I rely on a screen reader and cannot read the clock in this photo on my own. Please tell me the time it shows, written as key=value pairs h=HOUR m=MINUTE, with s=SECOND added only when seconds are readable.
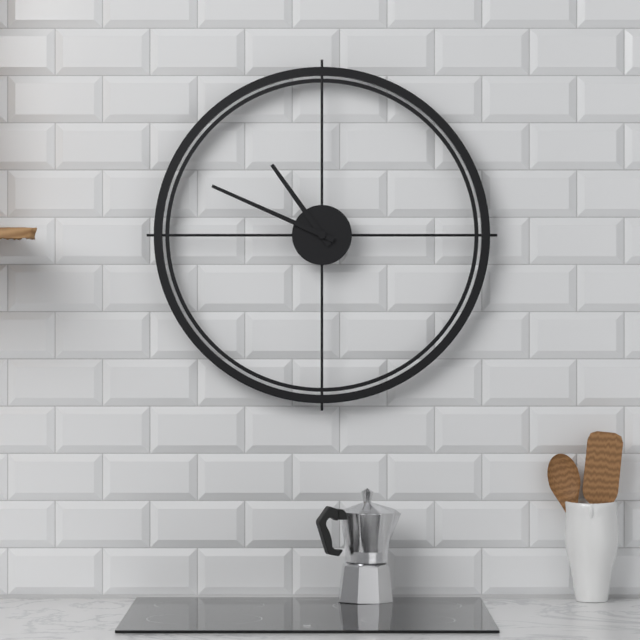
h=10 m=49
